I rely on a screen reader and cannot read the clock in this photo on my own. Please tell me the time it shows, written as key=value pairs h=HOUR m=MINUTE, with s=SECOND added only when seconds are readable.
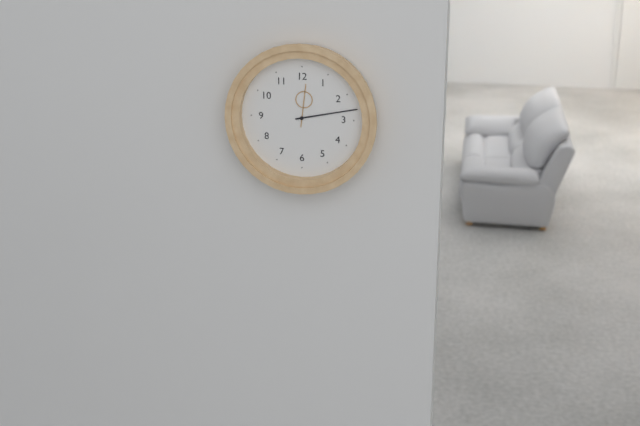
h=12 m=13
